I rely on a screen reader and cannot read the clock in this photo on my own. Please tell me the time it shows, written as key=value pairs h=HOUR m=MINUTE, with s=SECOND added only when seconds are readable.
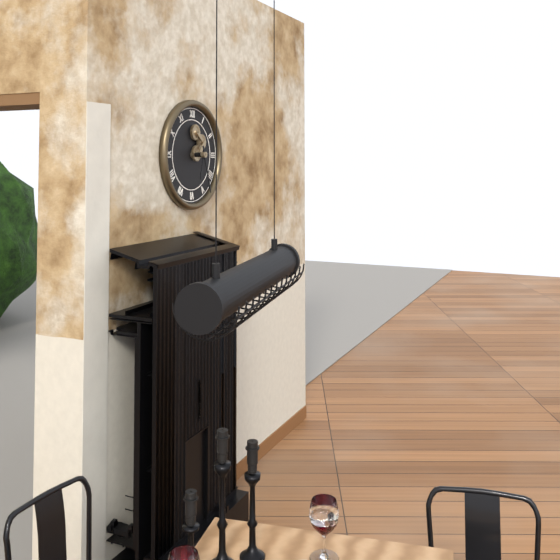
h=6 m=27
